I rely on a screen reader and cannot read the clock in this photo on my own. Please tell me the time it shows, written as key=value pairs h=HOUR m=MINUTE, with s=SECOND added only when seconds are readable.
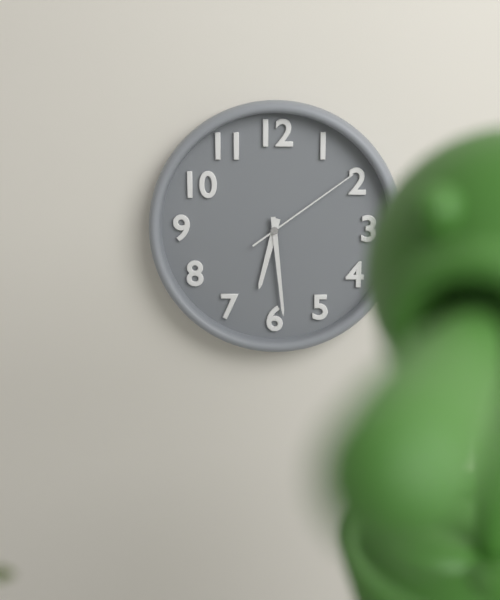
h=6 m=29 s=9
